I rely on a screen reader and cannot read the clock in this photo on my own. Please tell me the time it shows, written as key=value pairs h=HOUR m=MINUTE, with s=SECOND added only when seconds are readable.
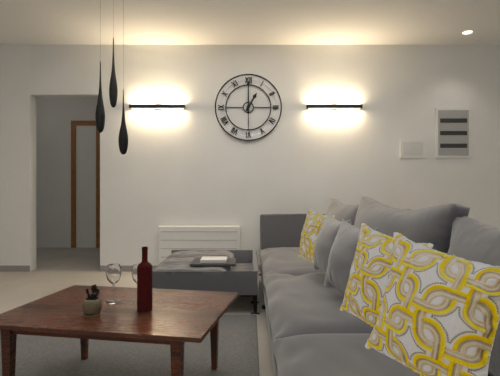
h=1 m=0
